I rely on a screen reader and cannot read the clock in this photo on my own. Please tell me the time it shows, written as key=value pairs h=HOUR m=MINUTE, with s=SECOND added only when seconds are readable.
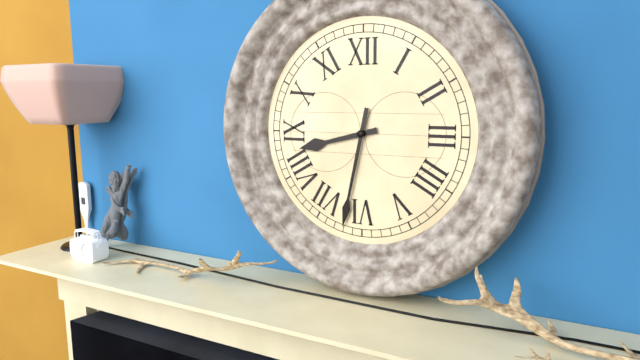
h=8 m=32
